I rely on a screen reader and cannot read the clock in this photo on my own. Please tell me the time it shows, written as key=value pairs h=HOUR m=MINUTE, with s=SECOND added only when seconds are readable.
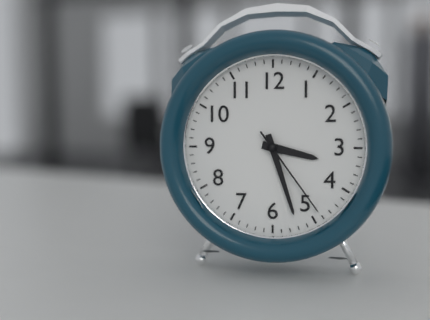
h=3 m=27 s=24
